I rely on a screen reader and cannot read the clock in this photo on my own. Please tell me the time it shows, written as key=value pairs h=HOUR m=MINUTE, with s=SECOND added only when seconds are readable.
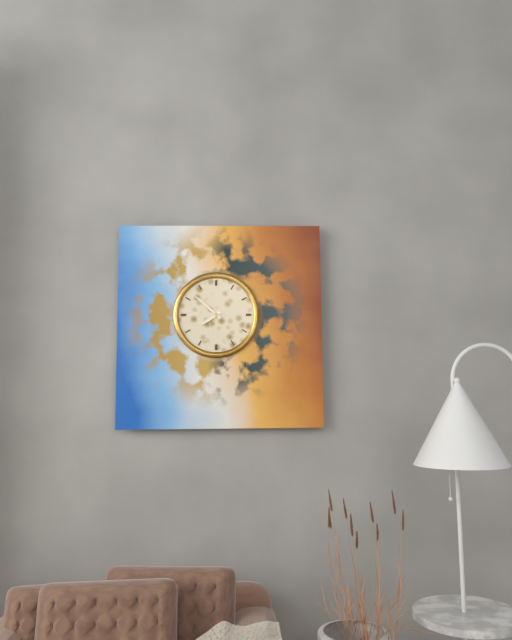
h=7 m=52
